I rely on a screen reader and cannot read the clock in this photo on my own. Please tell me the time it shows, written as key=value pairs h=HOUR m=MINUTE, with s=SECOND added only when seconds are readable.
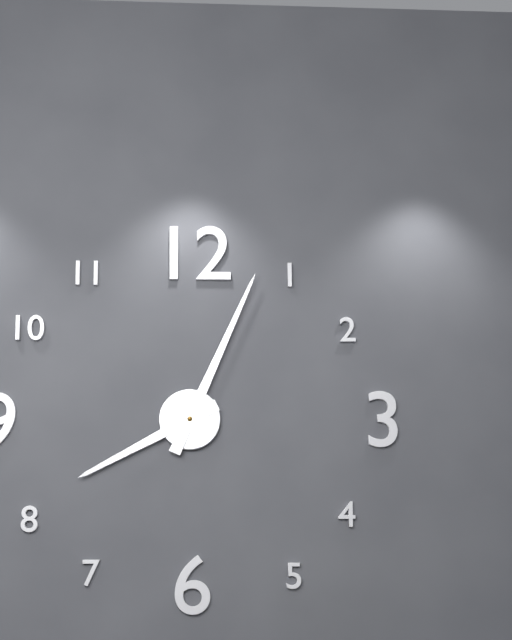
h=8 m=4
